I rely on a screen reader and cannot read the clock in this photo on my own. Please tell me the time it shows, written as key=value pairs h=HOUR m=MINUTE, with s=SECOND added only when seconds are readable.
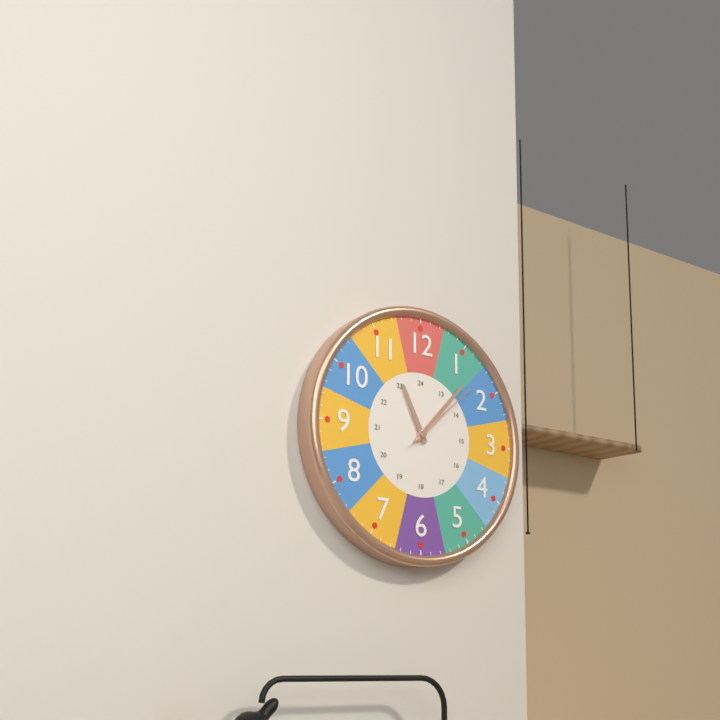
h=11 m=7 s=8
